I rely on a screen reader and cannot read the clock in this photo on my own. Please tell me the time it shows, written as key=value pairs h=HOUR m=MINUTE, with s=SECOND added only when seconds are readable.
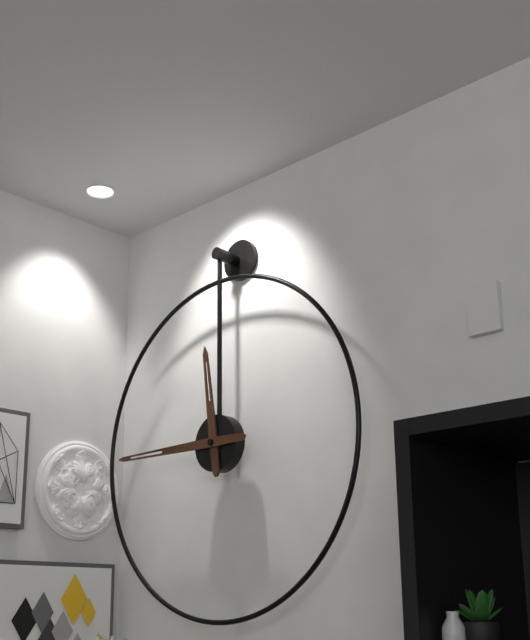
h=11 m=45
